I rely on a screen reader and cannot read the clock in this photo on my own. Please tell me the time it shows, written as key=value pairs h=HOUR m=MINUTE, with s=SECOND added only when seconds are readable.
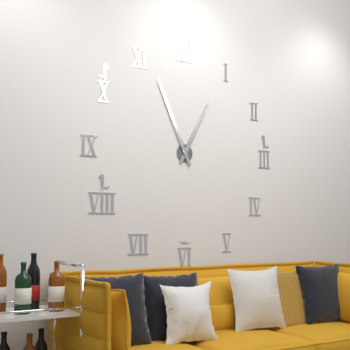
h=12 m=56
